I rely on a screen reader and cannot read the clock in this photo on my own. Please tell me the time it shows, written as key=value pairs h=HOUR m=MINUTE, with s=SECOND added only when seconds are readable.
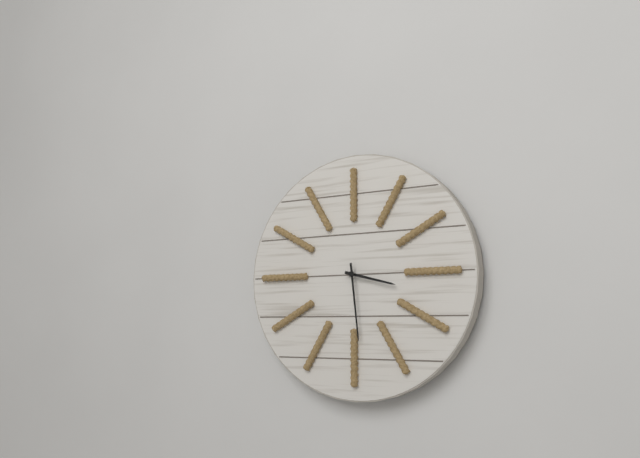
h=3 m=29
